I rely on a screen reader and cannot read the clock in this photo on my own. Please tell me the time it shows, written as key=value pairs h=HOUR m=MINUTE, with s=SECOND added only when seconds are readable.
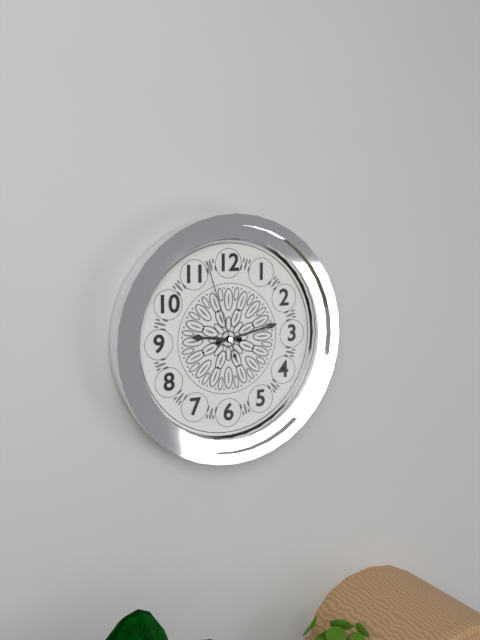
h=9 m=13 s=57
